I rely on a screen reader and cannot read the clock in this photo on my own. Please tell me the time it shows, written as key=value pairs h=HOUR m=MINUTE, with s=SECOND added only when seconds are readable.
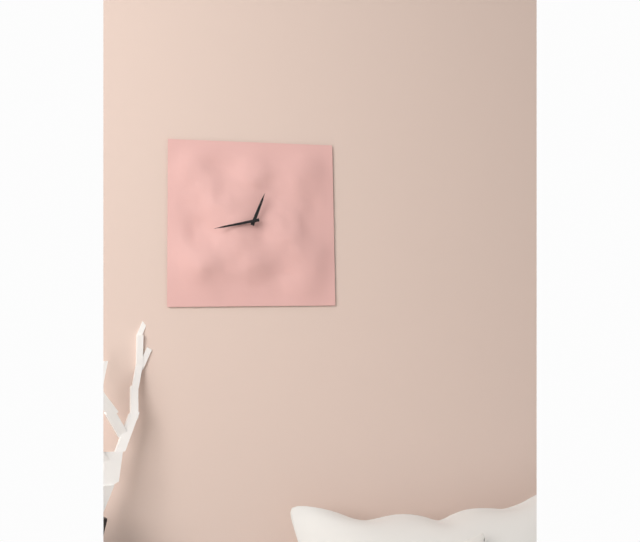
h=12 m=43
